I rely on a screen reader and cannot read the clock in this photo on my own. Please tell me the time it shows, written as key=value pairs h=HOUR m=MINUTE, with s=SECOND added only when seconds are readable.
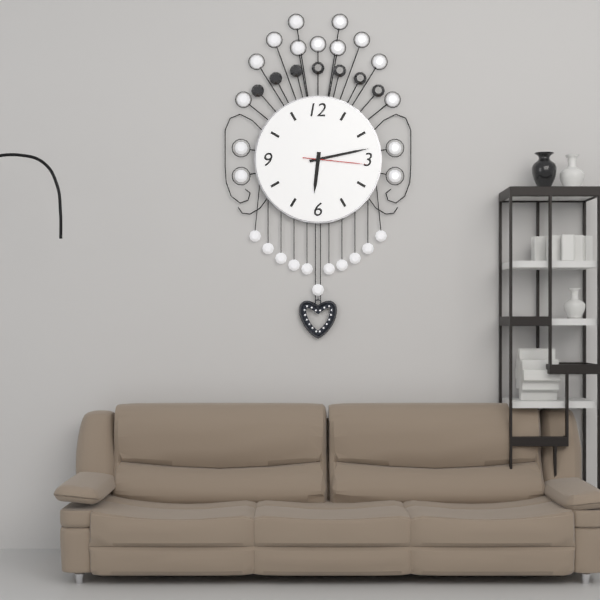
h=6 m=13 s=16
